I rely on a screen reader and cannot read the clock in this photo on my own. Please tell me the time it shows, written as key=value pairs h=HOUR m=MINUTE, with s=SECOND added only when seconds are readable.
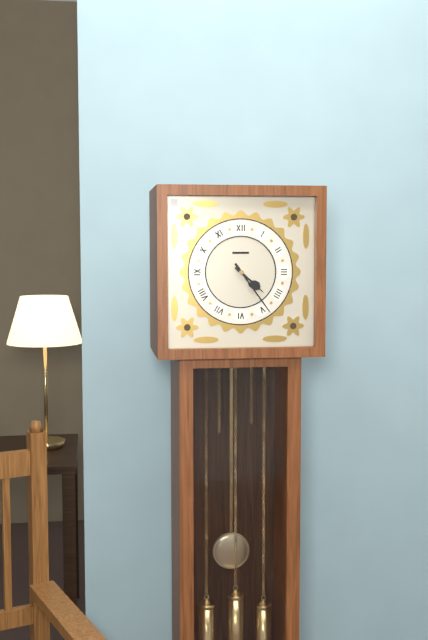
h=4 m=24
